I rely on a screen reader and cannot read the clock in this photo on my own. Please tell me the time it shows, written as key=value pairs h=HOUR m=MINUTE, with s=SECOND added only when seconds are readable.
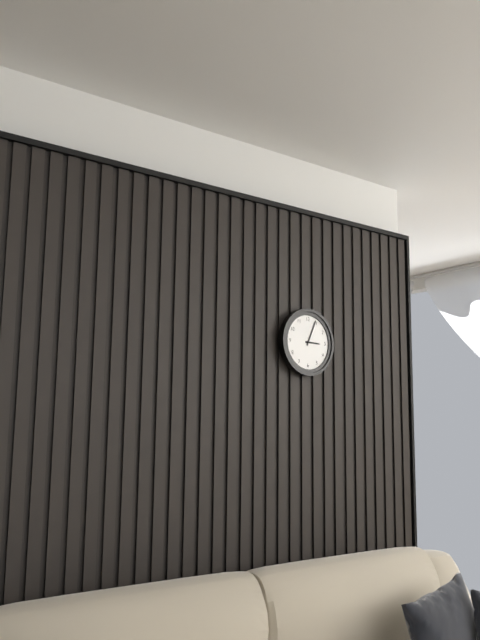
h=3 m=4
